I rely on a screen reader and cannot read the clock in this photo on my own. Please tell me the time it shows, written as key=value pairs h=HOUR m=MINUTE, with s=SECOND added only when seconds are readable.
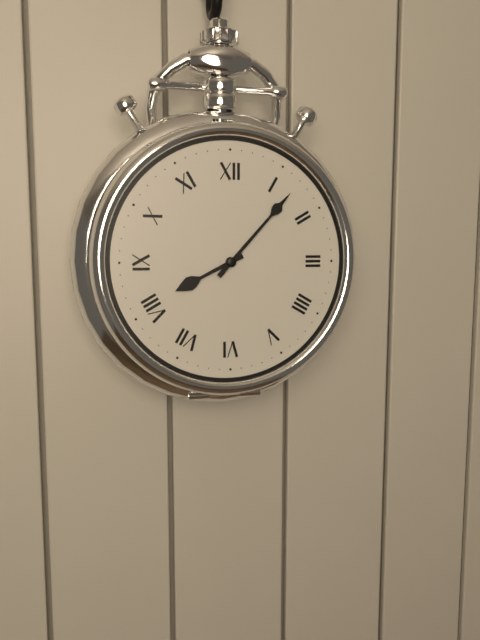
h=8 m=7
